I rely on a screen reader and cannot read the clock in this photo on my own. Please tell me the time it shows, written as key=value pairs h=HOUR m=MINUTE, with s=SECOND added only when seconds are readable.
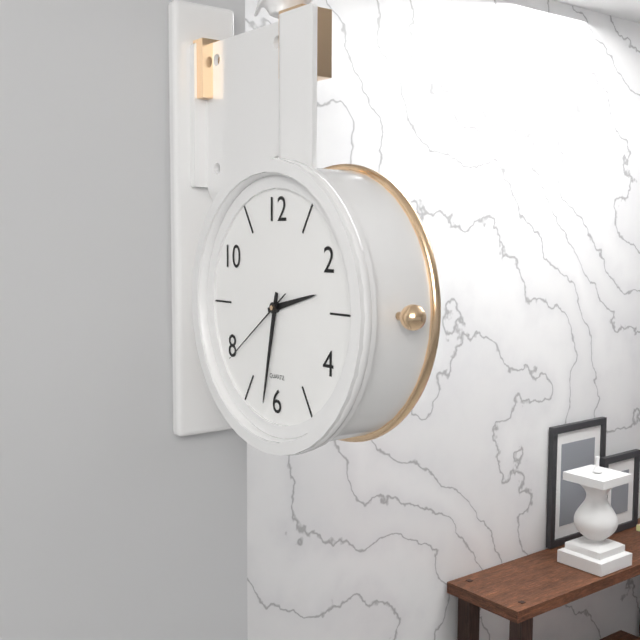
h=2 m=32 s=39
